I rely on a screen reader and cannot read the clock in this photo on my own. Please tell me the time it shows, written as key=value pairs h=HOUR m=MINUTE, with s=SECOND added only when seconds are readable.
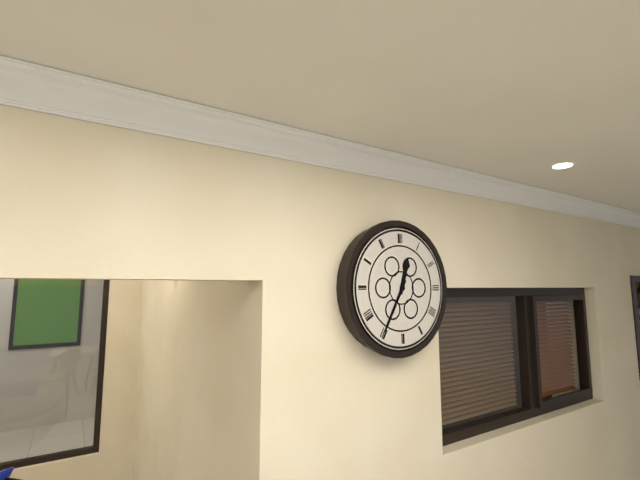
h=12 m=35
